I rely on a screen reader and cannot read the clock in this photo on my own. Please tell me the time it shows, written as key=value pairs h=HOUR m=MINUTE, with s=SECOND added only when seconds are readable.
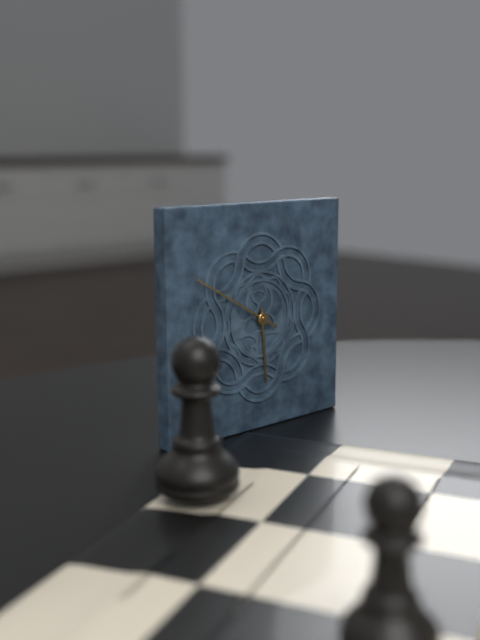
h=5 m=50
